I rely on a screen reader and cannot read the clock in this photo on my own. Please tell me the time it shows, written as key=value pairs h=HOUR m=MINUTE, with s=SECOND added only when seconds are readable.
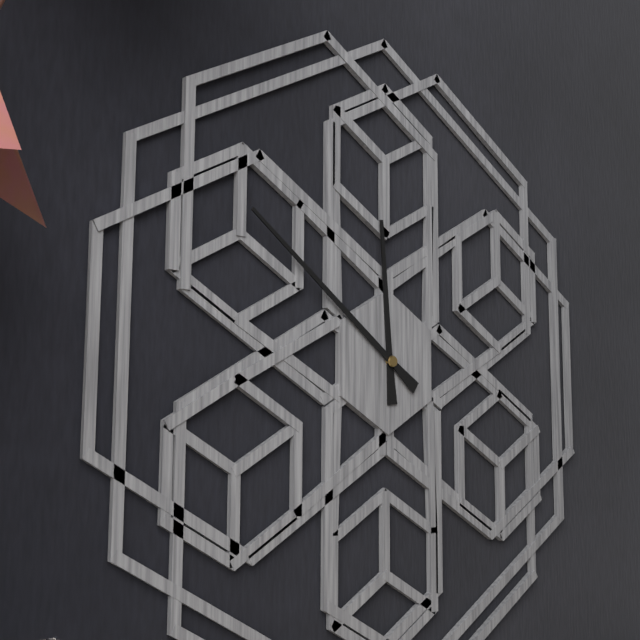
h=11 m=51
